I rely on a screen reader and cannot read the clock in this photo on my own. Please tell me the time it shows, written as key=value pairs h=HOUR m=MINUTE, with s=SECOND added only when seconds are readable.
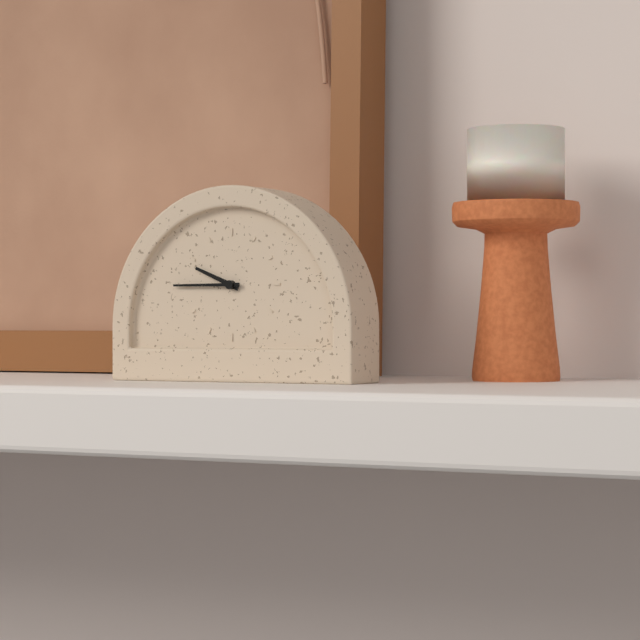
h=9 m=45
